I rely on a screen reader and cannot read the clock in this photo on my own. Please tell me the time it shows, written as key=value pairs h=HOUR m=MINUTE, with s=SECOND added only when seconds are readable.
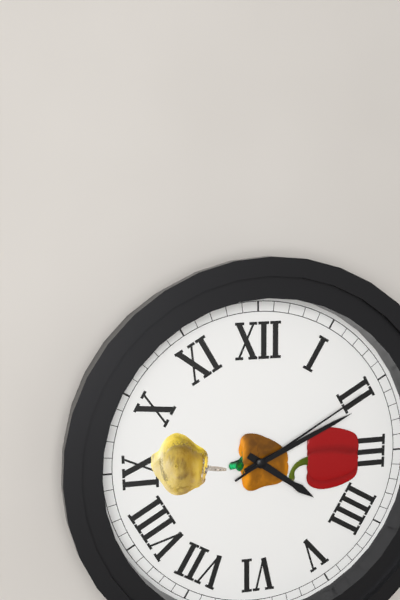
h=4 m=11 s=10
